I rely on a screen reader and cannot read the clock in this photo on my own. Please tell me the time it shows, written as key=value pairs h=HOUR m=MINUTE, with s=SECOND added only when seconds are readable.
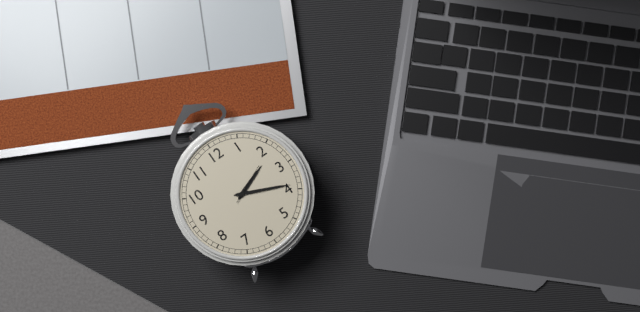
h=2 m=19
